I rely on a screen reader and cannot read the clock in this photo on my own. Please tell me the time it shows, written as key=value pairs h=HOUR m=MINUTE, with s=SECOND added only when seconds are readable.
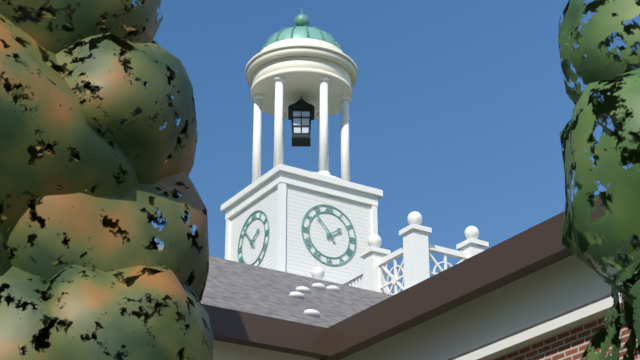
h=1 m=53
